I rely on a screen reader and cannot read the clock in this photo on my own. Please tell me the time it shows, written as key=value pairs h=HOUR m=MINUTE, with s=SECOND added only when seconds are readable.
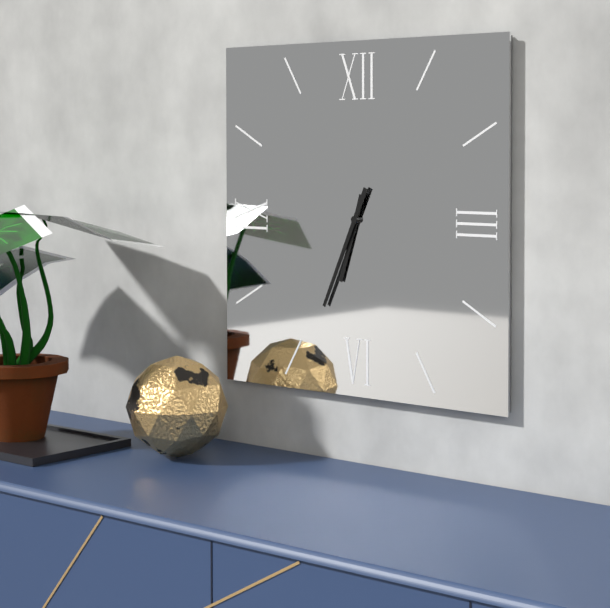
h=6 m=34
